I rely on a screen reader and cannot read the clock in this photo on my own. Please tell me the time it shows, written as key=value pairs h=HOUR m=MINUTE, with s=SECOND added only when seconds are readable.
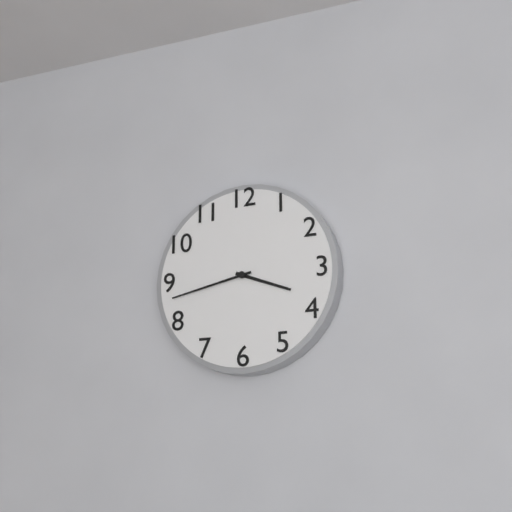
h=3 m=43
